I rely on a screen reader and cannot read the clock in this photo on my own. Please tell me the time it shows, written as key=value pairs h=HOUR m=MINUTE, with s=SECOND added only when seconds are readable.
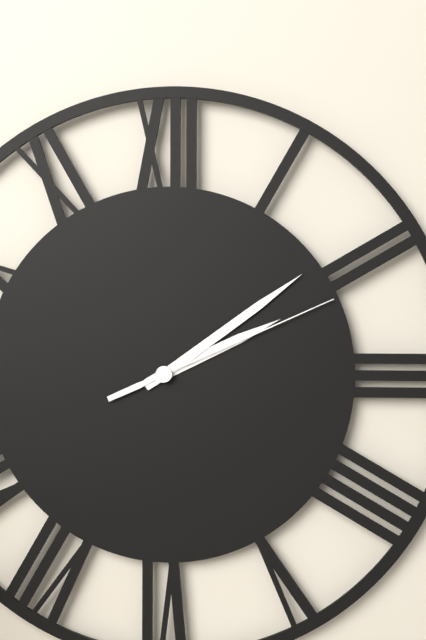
h=2 m=9 s=11
